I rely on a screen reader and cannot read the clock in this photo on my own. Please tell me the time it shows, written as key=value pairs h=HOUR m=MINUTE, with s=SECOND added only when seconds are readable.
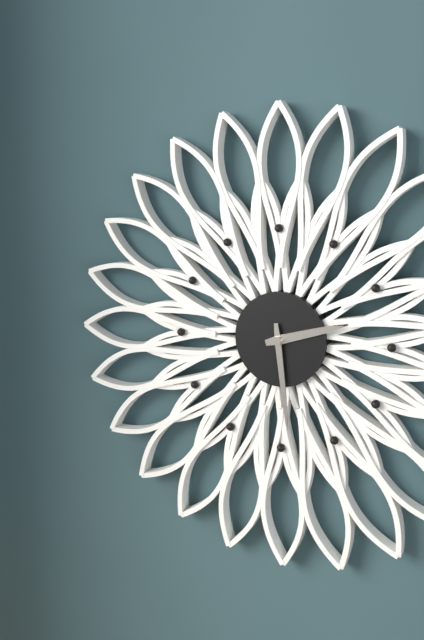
h=2 m=29
